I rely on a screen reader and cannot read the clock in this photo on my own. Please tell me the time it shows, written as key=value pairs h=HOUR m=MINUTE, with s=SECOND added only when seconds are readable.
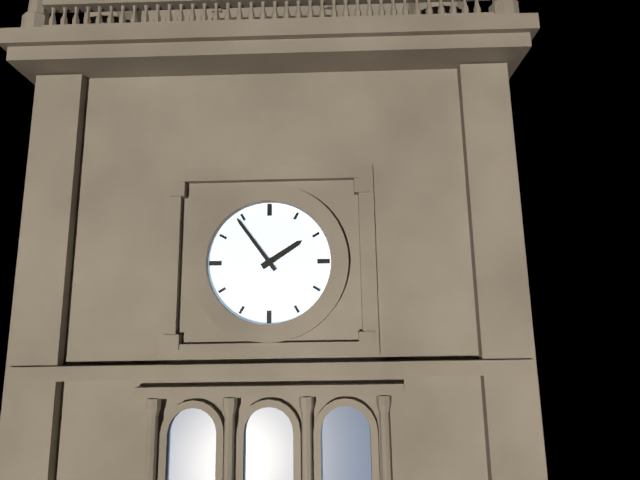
h=1 m=54
